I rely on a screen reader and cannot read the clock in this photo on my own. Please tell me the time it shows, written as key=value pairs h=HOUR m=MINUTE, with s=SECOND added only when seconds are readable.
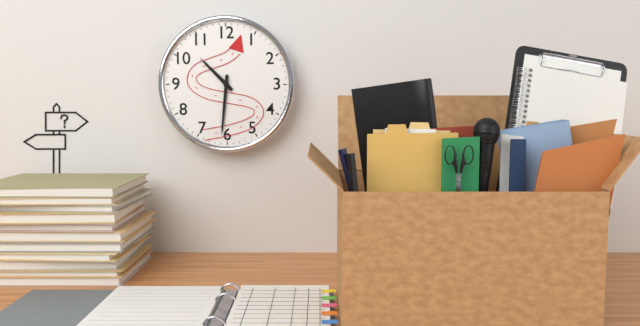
h=10 m=31
